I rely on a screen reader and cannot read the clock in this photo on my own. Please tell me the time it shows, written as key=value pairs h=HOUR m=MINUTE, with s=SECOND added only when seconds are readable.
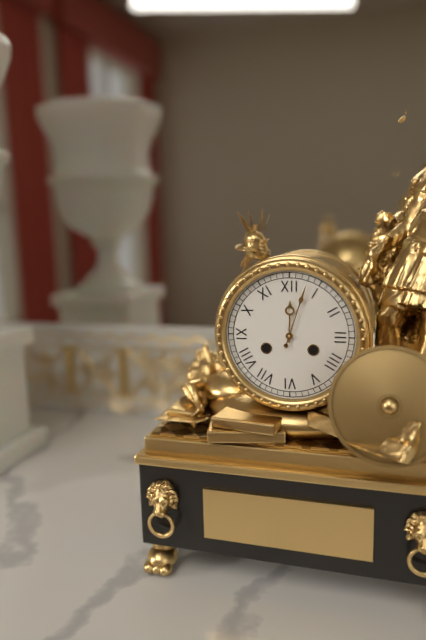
h=12 m=3
